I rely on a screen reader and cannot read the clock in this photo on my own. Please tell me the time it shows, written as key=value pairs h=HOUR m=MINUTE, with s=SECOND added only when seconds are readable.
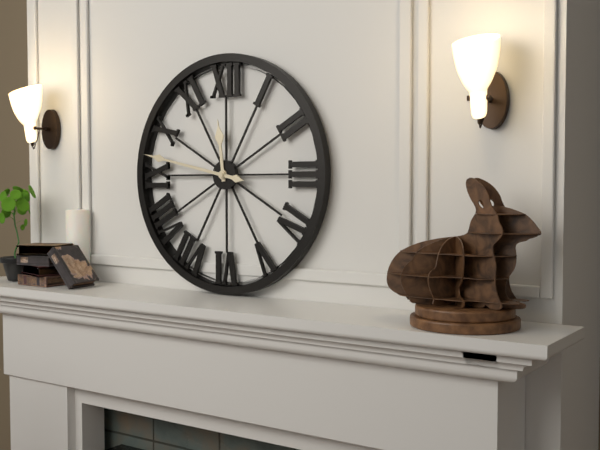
h=11 m=47
